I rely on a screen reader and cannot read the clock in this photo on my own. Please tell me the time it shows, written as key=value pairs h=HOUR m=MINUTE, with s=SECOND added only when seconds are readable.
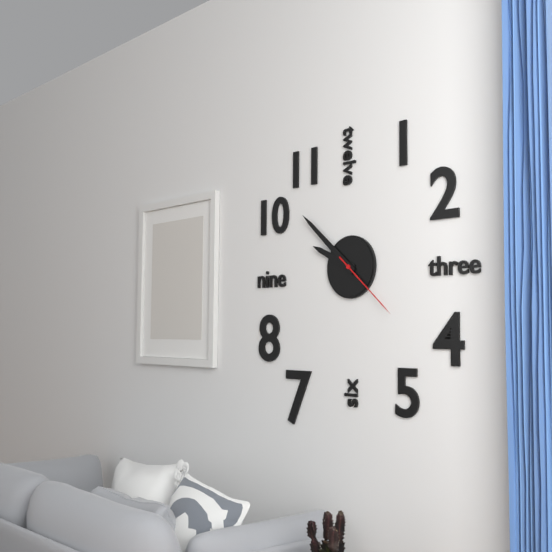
h=9 m=52 s=22
